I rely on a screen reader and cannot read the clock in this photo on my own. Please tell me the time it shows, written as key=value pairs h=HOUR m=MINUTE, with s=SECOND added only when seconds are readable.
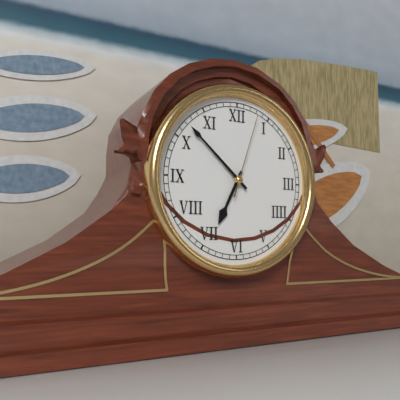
h=6 m=52 s=3
